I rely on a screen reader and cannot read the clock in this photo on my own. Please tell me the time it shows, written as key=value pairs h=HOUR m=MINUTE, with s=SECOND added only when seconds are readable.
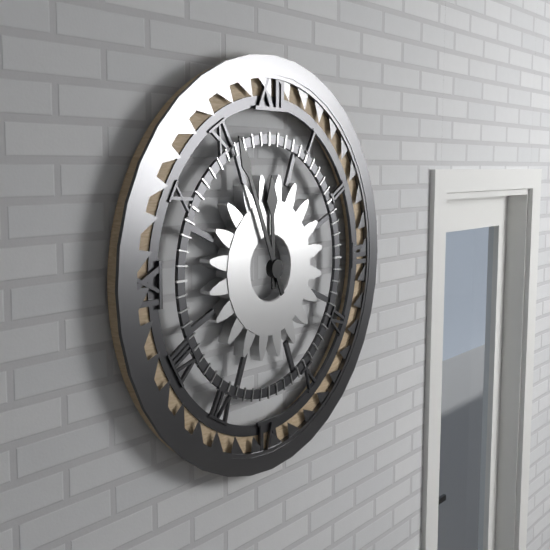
h=11 m=56
